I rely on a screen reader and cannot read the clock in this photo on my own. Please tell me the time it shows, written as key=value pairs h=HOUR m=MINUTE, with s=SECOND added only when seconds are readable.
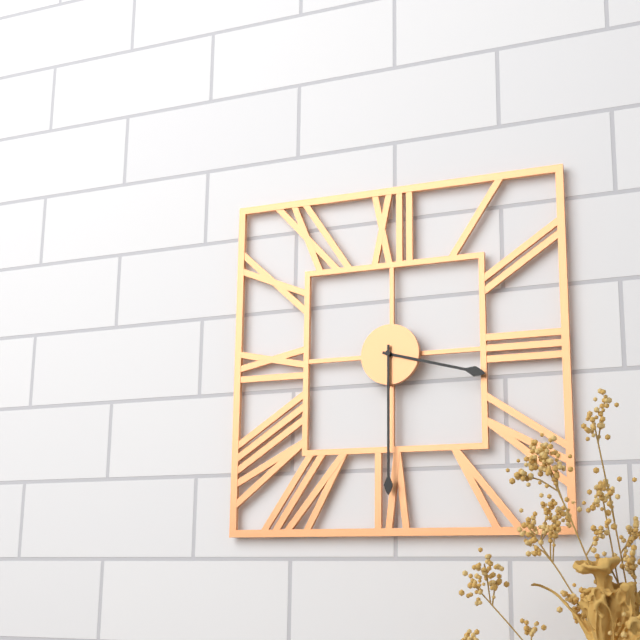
h=3 m=30
